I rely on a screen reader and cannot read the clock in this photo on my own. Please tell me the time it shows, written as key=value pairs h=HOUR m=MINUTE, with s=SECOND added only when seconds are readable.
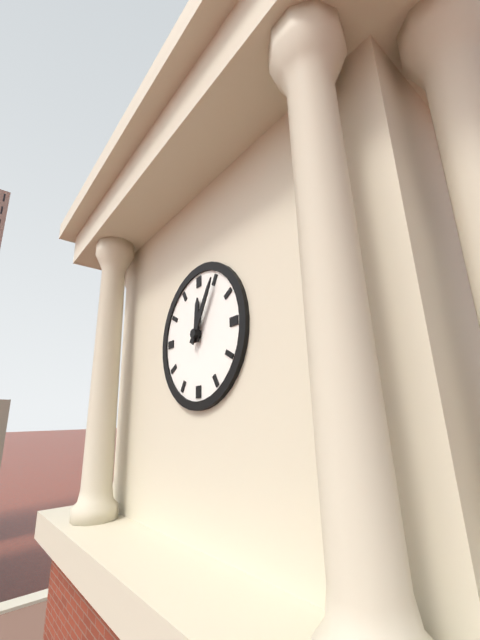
h=12 m=5
